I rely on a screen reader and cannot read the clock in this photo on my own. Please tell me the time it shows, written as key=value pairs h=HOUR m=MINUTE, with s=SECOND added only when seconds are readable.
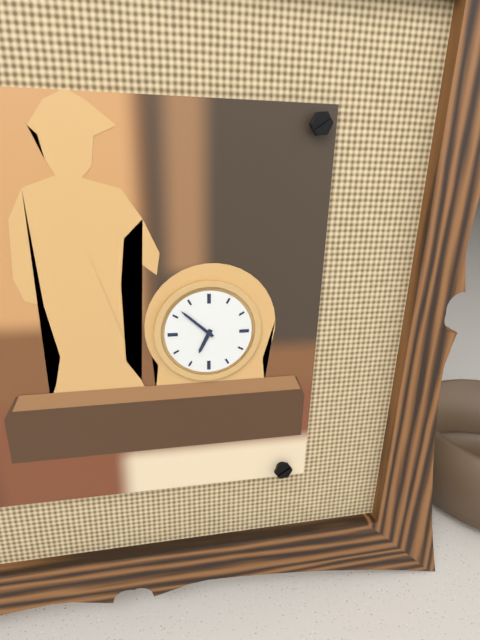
h=6 m=52
